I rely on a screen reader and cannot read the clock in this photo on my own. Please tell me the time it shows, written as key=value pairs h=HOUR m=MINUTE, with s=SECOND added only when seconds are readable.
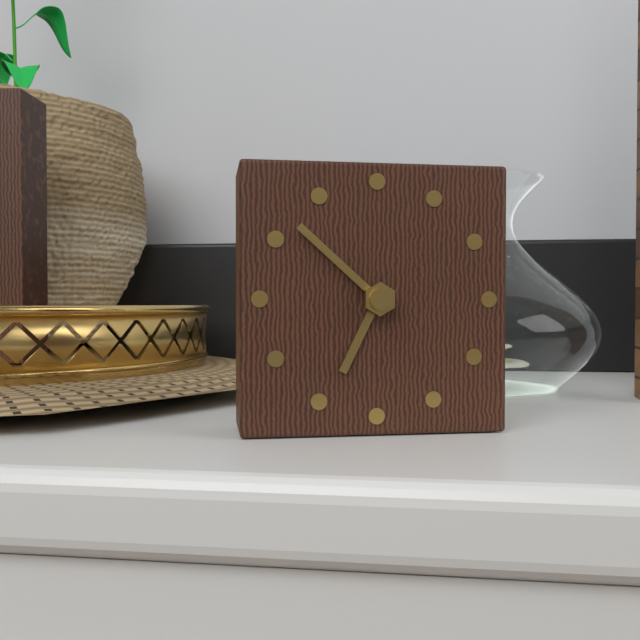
h=6 m=52
